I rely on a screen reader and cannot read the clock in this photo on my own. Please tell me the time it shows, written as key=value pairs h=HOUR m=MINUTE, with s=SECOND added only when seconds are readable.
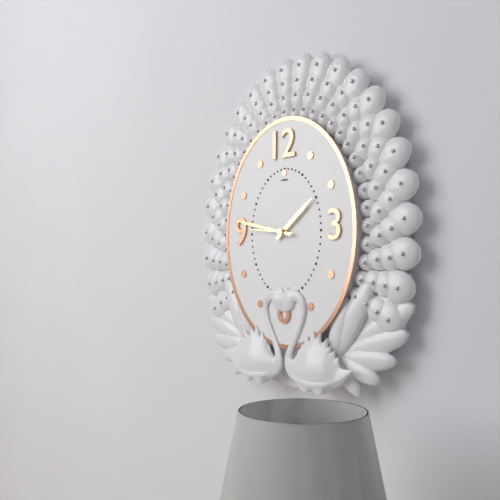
h=1 m=47
